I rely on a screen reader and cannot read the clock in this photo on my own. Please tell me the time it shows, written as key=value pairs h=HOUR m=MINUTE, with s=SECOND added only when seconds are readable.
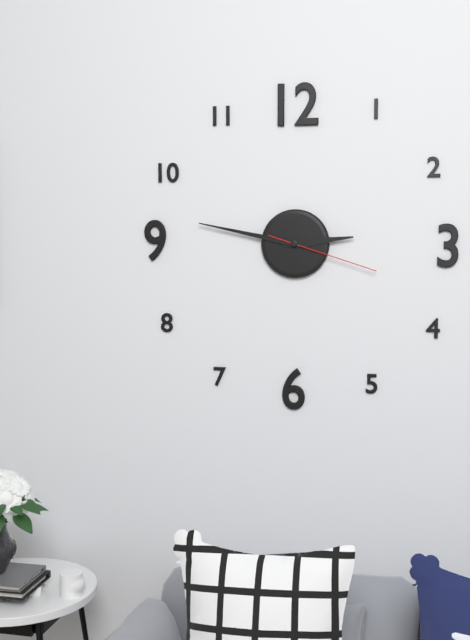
h=2 m=47 s=18
